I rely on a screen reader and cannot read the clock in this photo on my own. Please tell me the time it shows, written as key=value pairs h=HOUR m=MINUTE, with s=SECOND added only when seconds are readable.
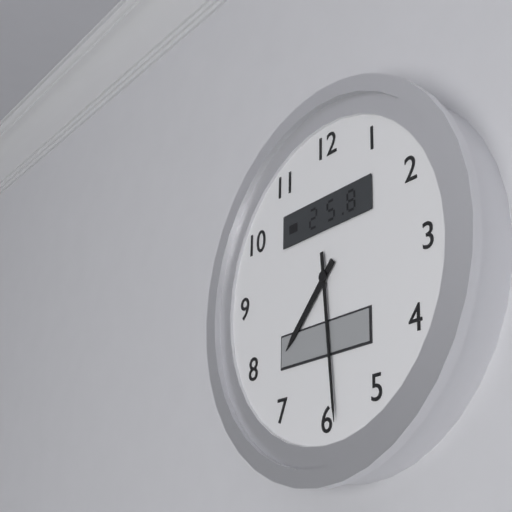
h=7 m=29
